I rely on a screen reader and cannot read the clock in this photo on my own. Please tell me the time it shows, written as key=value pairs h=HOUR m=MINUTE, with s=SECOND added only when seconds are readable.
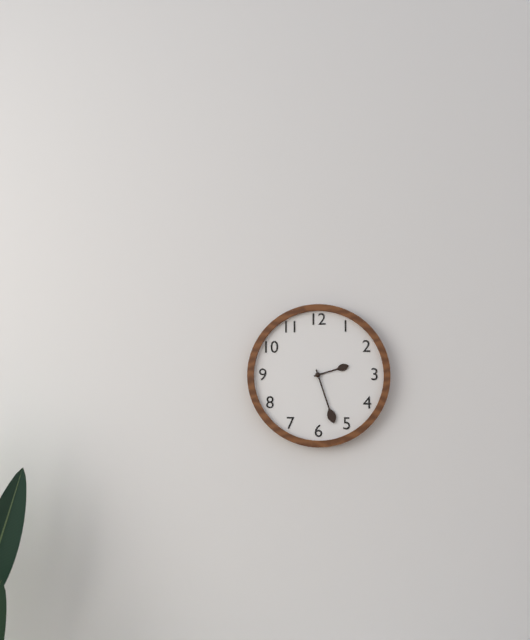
h=2 m=27
